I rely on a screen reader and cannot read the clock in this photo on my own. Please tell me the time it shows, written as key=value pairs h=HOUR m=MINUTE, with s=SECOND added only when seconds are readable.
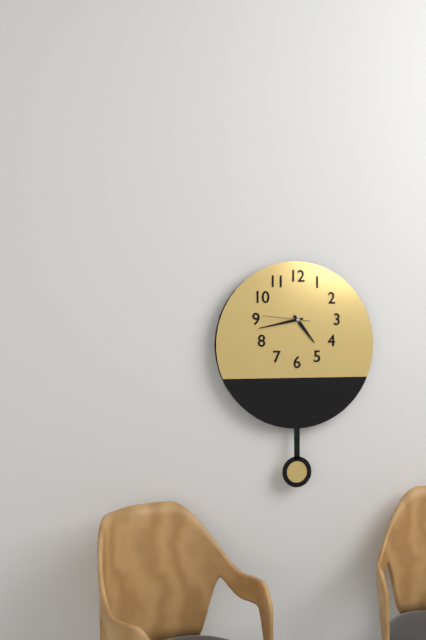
h=4 m=43
